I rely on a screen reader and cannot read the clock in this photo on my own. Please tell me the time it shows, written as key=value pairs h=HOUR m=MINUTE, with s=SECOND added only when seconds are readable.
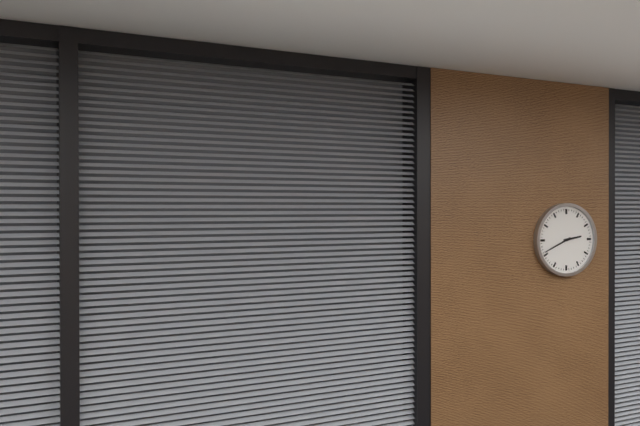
h=2 m=41
